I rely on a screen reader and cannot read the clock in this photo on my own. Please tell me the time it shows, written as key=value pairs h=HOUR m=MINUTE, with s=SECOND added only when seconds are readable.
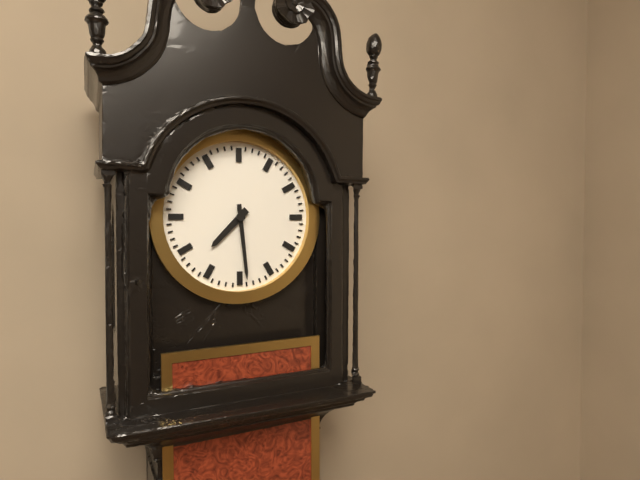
h=7 m=29
